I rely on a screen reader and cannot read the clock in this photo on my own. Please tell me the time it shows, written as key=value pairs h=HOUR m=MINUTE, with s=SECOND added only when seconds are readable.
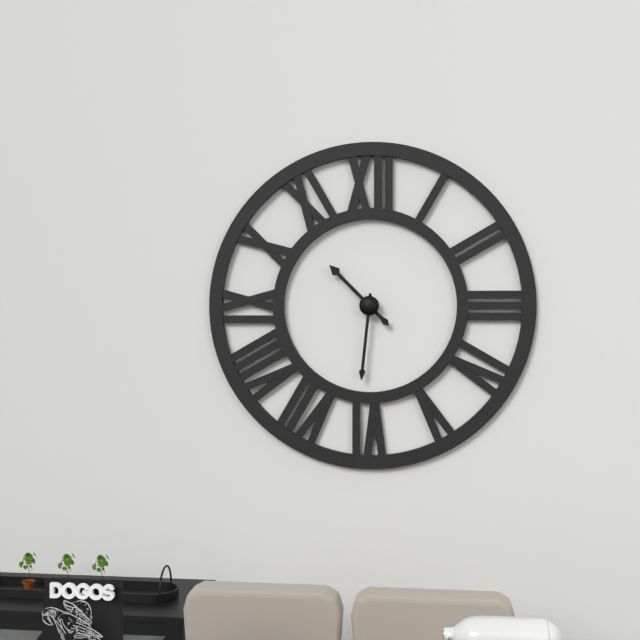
h=10 m=31
